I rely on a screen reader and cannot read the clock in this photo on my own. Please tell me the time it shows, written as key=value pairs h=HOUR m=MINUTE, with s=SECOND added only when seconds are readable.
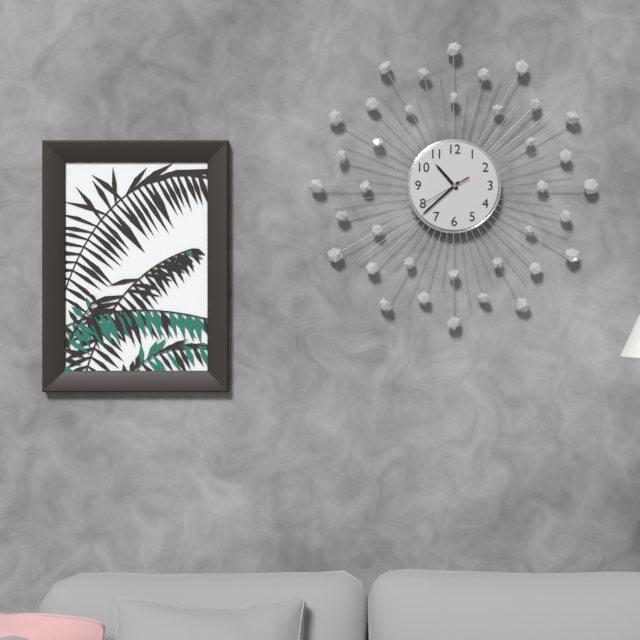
h=10 m=38 s=40
